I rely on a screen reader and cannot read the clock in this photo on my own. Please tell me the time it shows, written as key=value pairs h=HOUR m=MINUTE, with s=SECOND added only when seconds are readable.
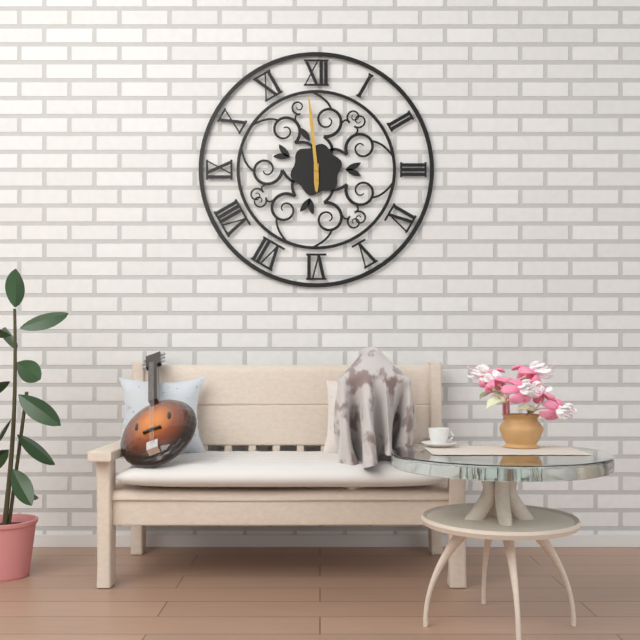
h=5 m=59
